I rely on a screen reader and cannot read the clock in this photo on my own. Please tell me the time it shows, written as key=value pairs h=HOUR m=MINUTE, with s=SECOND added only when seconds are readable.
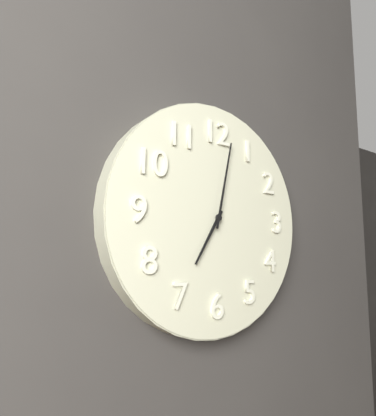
h=7 m=2
